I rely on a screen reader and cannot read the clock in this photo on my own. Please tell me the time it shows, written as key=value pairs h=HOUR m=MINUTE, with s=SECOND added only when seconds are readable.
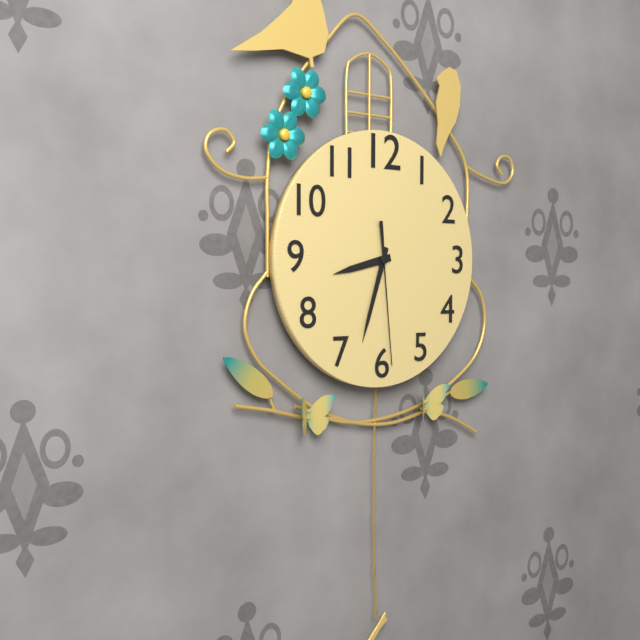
h=8 m=33 s=29
